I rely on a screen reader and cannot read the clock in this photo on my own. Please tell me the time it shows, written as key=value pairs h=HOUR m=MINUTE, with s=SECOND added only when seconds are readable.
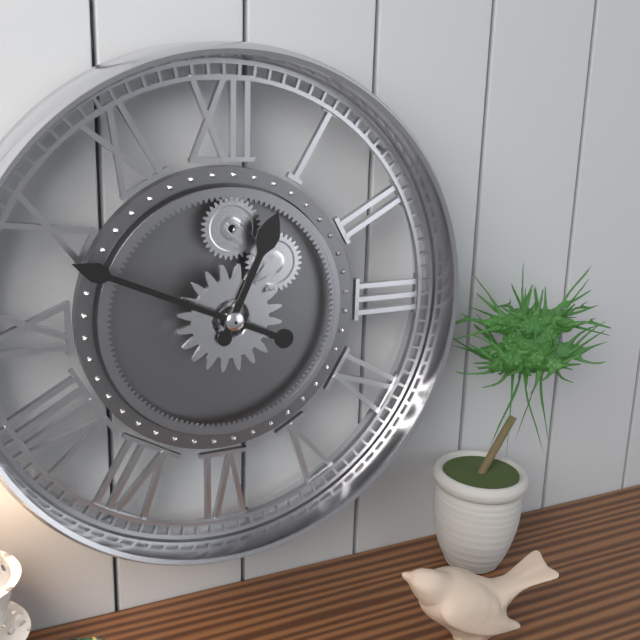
h=12 m=49
